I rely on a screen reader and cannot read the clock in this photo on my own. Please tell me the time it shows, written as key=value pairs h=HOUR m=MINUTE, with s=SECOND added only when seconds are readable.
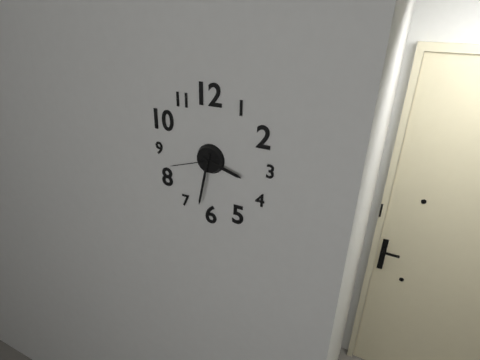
h=3 m=32 s=42
